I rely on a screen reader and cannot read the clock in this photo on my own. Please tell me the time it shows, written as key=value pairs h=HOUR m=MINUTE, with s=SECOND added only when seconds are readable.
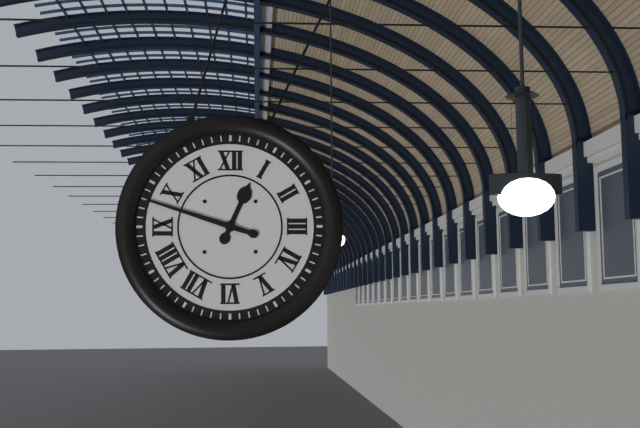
h=12 m=48
